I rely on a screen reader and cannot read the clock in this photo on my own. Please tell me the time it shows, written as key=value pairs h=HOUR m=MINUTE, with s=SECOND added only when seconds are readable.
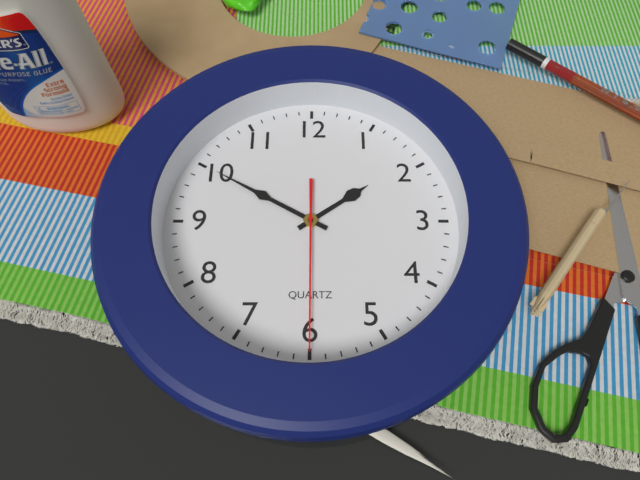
h=1 m=50 s=30
